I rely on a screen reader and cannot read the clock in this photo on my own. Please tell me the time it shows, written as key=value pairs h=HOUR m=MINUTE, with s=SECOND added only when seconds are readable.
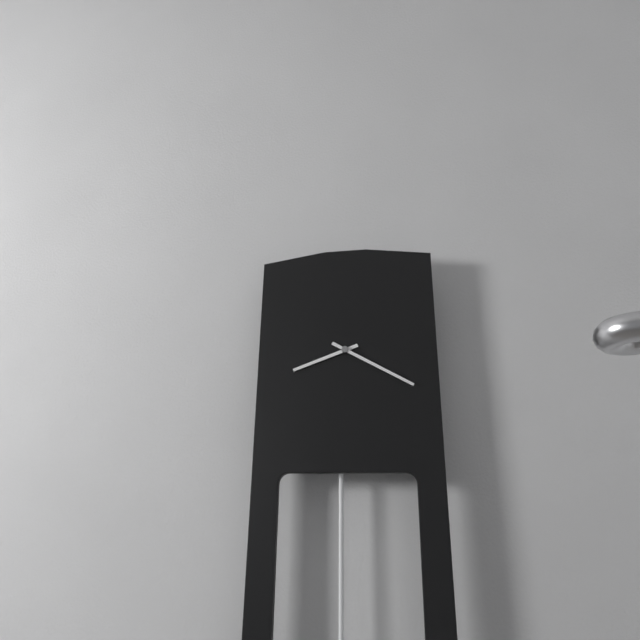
h=8 m=20
